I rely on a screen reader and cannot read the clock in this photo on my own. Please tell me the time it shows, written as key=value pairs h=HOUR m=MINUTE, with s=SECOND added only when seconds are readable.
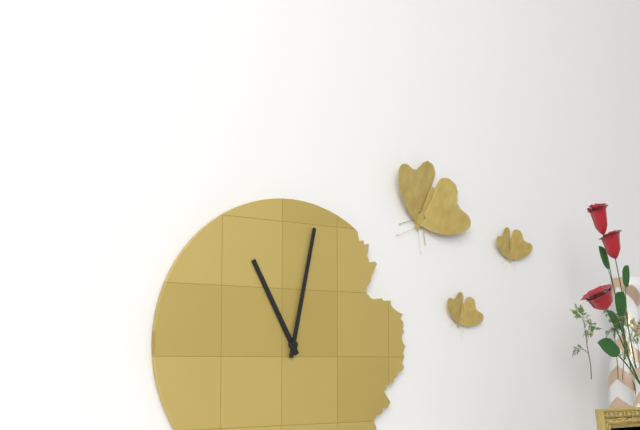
h=11 m=2
